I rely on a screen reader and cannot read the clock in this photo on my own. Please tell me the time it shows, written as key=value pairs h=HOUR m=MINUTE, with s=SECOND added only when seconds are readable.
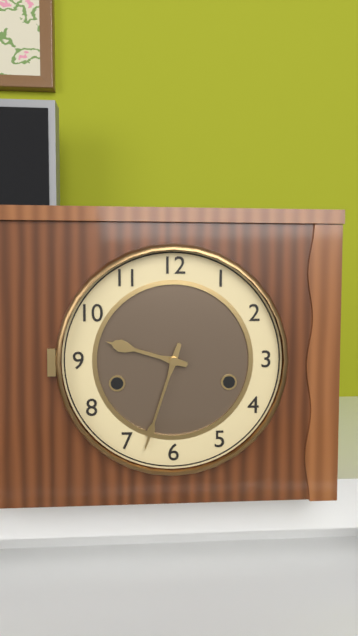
h=9 m=33
